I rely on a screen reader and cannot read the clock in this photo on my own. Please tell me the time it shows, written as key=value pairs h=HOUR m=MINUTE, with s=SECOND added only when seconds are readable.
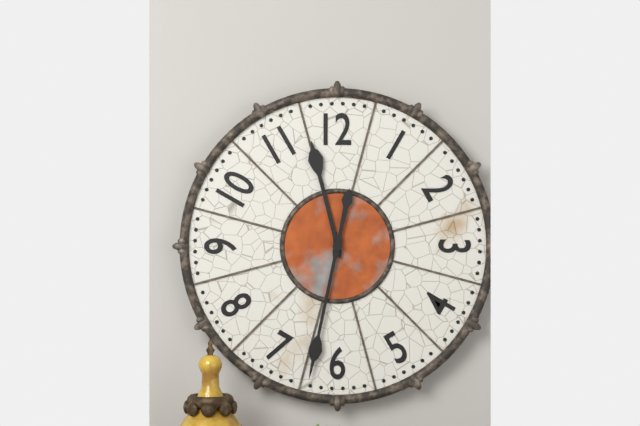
h=11 m=32
